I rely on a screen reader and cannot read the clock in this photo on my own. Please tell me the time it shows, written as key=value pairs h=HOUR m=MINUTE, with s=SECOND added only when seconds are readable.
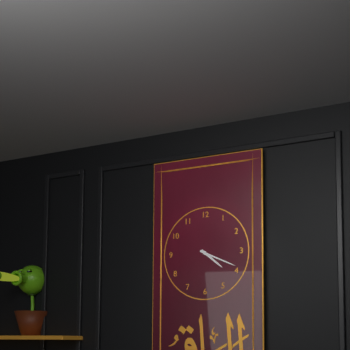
h=4 m=19
